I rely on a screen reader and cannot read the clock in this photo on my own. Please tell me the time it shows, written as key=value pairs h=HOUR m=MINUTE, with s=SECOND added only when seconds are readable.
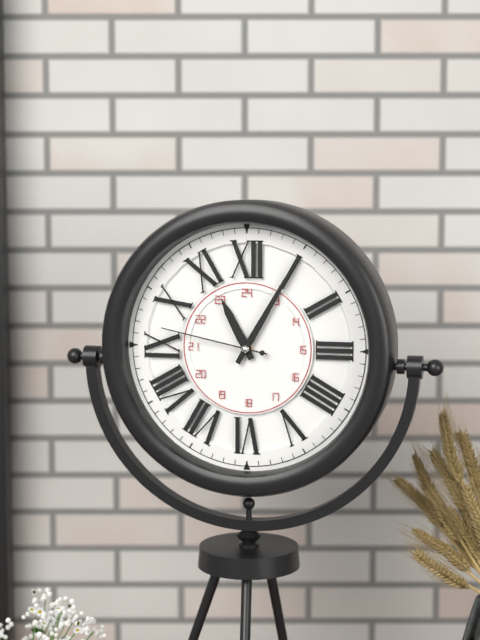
h=11 m=5 s=47
